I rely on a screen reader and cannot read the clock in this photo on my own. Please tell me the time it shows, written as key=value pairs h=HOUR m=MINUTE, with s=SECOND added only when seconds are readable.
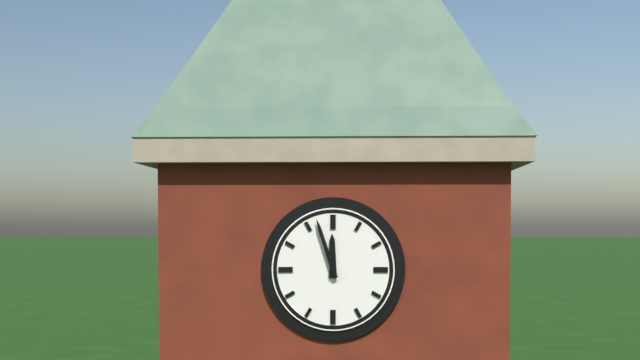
h=11 m=57
